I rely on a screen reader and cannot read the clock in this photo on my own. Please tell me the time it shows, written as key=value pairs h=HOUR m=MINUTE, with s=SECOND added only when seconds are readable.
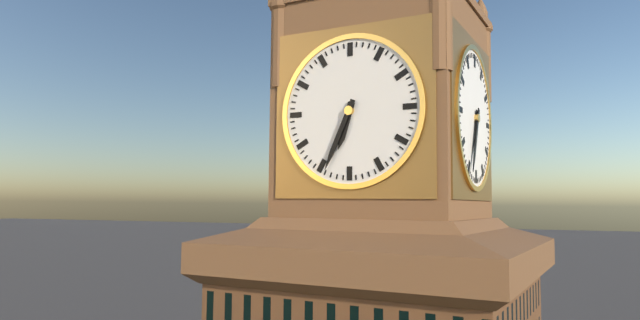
h=6 m=34
